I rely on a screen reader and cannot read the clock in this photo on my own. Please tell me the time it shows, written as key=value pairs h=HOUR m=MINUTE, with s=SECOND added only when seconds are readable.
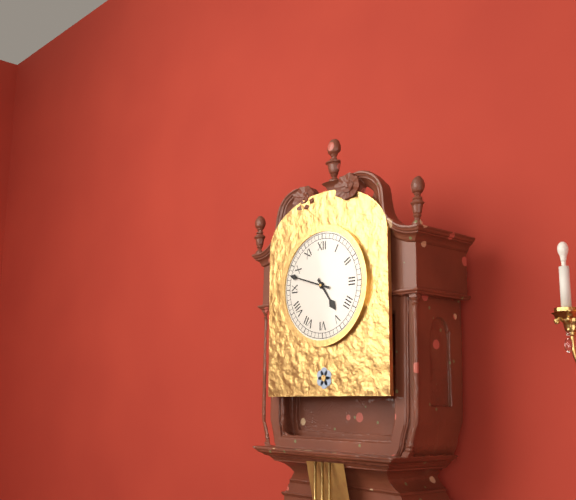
h=4 m=48
